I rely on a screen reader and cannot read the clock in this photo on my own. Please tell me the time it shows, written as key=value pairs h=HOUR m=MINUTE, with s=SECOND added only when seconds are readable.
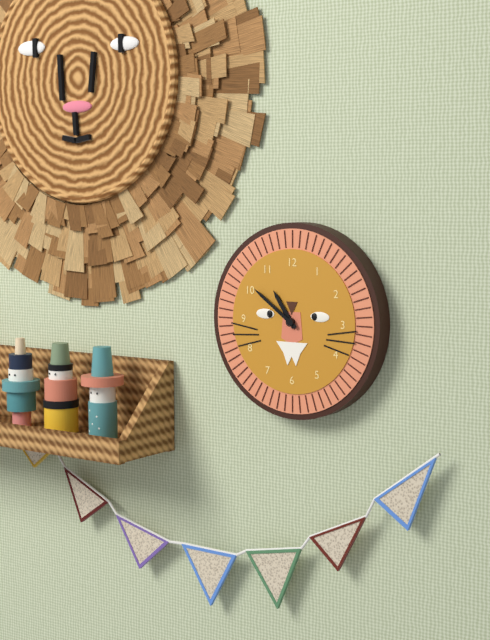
h=10 m=51
